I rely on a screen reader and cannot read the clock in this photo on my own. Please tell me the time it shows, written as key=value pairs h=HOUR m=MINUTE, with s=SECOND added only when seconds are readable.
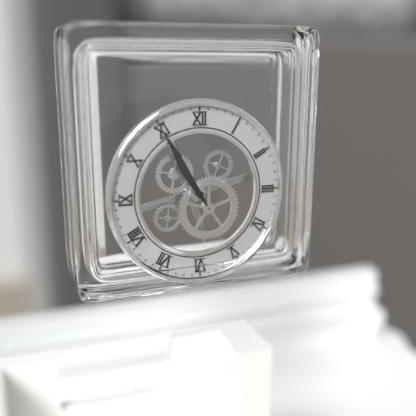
h=10 m=55
